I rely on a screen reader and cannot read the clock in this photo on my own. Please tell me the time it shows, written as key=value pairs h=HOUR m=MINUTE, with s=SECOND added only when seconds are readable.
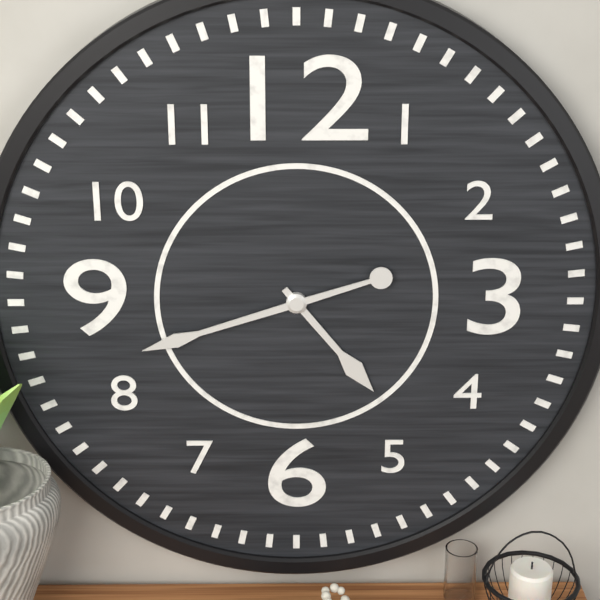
h=4 m=42
